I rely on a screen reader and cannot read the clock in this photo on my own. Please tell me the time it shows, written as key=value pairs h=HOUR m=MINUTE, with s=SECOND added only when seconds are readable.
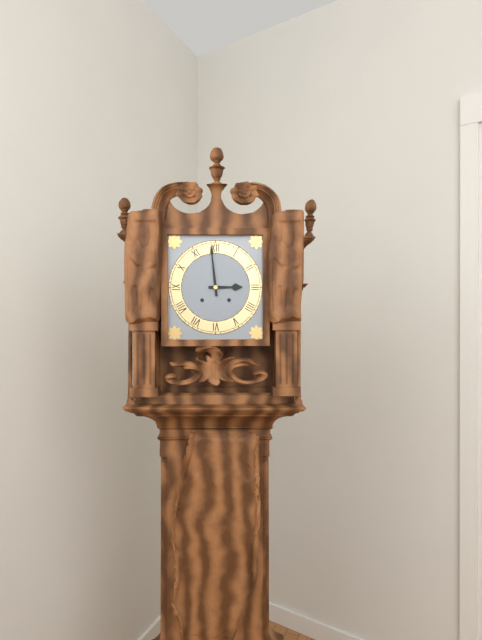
h=2 m=59
